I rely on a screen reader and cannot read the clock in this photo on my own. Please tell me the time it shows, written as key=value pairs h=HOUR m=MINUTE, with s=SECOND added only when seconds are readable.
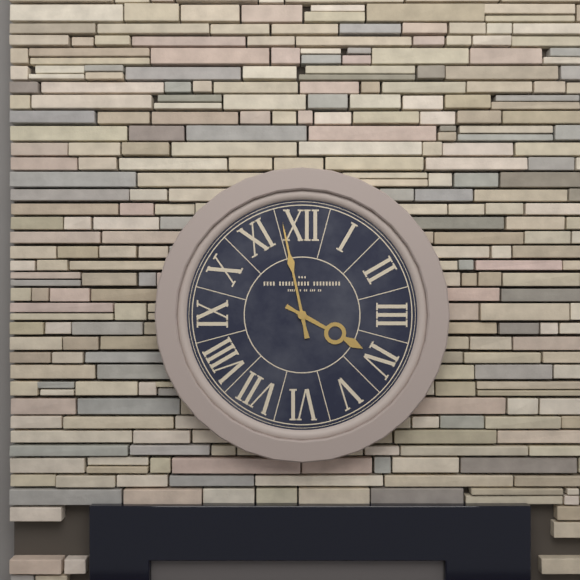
h=3 m=58
